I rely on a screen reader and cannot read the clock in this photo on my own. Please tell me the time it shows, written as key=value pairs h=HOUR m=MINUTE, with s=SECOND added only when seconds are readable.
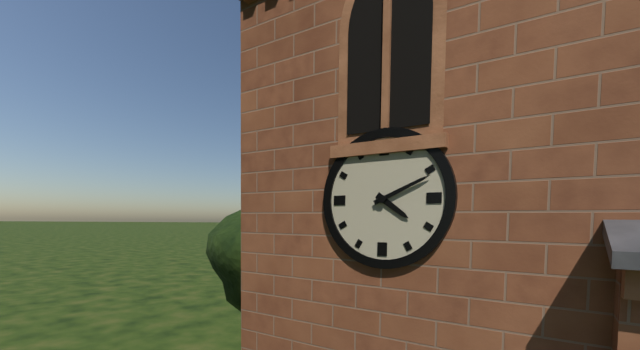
h=4 m=11
